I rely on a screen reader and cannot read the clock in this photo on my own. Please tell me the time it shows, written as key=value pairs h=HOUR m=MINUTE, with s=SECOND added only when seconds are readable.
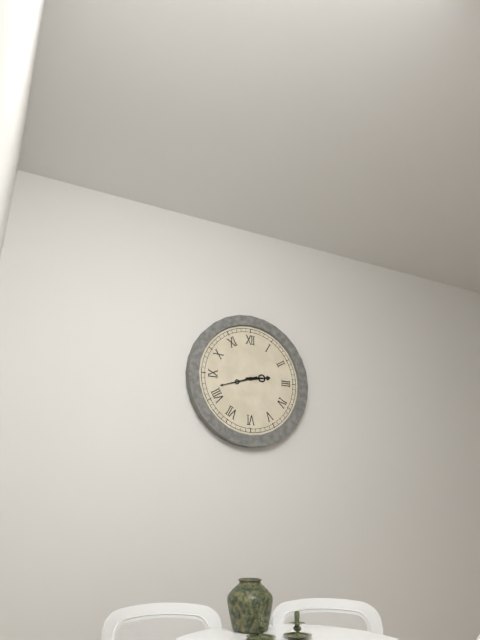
h=2 m=42
